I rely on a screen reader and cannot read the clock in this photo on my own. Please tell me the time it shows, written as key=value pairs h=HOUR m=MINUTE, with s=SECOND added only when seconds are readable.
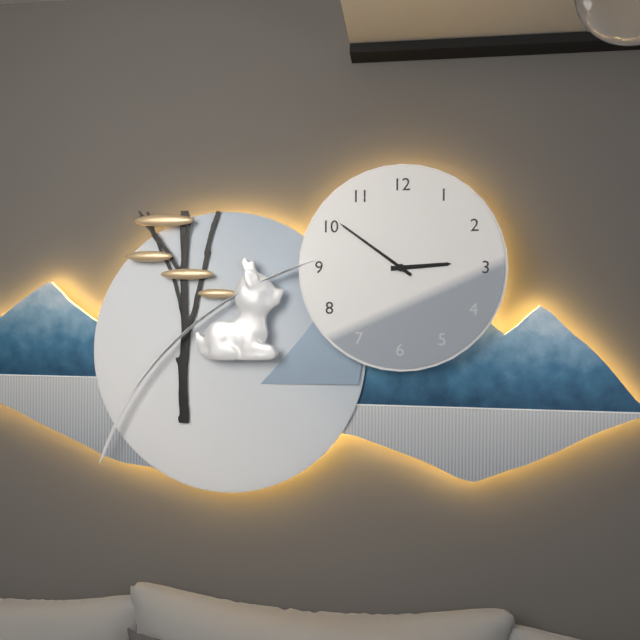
h=2 m=51
